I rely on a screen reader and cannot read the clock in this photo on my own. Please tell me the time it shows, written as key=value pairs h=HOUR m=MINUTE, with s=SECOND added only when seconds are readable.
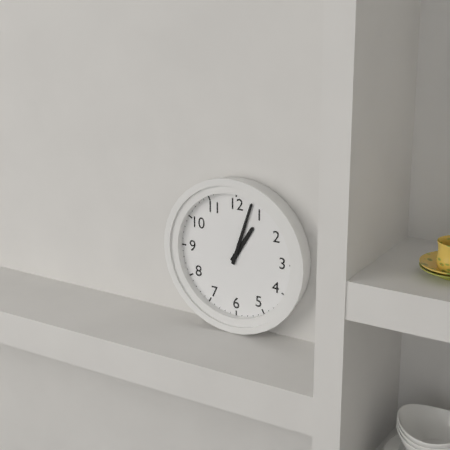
h=1 m=3
